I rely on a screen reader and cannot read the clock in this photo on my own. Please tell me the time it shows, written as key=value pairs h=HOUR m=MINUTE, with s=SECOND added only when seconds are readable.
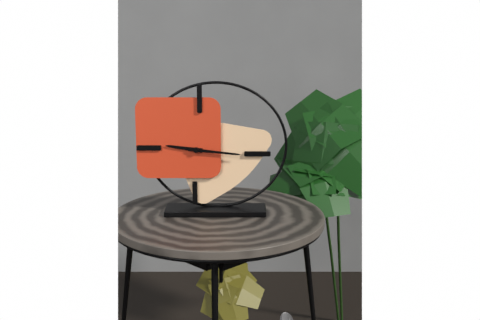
h=9 m=16
